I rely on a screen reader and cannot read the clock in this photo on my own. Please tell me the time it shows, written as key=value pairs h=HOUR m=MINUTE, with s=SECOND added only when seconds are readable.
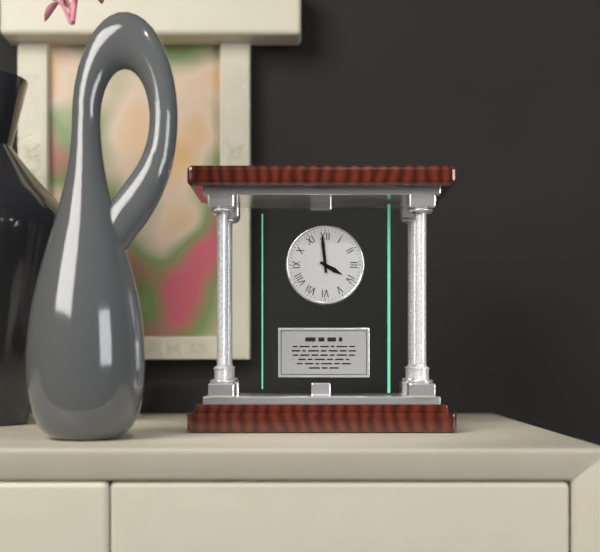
h=3 m=59
